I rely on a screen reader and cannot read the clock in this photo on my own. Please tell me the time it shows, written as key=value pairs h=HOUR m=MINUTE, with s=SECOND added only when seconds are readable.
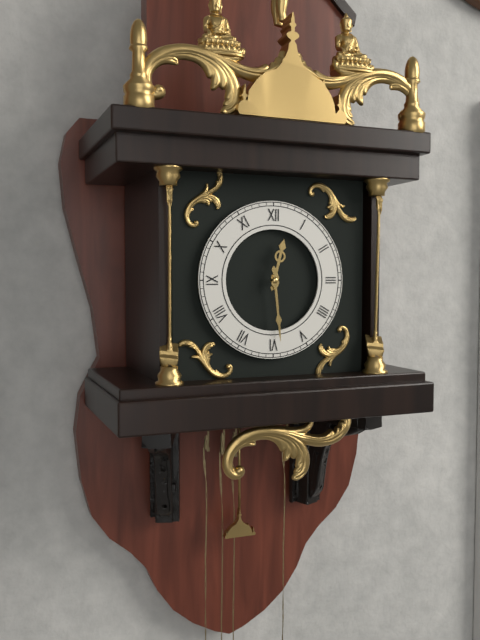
h=12 m=29
